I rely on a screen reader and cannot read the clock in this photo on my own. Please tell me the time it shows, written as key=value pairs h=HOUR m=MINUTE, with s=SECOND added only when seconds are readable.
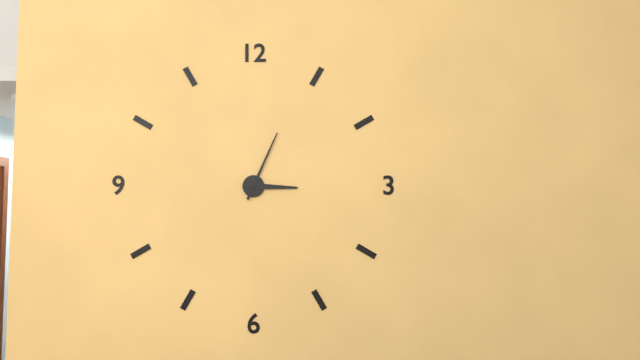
h=3 m=4
